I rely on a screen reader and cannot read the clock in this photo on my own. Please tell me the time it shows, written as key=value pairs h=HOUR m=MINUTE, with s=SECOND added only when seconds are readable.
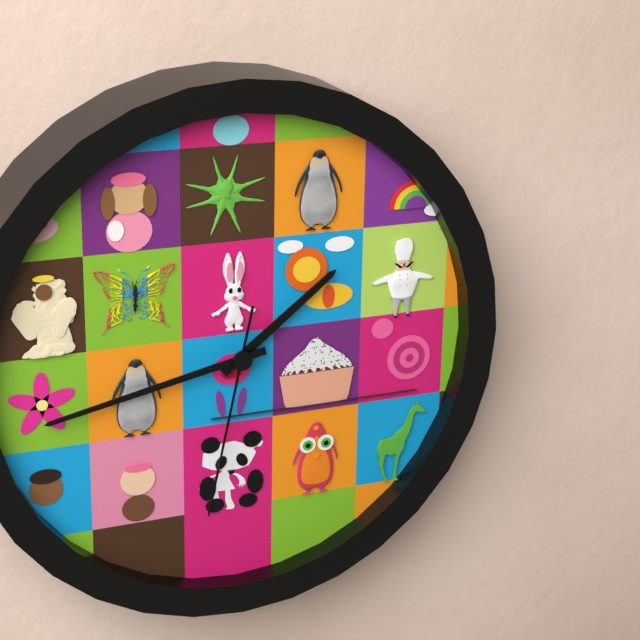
h=1 m=43 s=32
